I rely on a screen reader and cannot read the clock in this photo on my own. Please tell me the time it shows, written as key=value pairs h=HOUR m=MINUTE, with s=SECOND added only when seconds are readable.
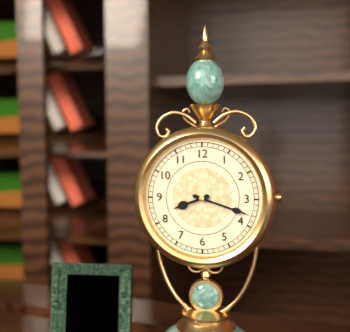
h=8 m=18
